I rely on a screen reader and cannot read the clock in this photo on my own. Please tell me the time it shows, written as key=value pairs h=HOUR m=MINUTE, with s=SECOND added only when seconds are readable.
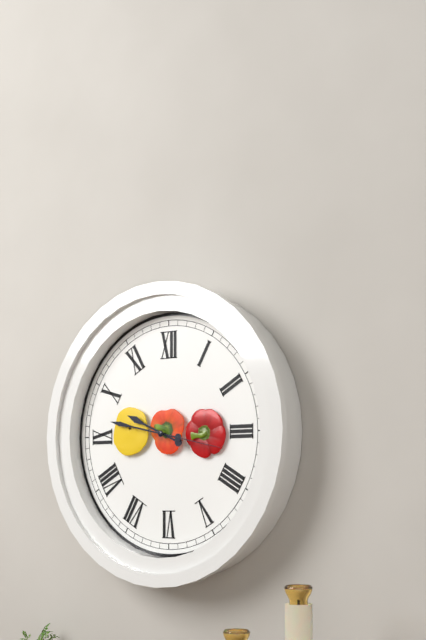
h=9 m=47 s=17
